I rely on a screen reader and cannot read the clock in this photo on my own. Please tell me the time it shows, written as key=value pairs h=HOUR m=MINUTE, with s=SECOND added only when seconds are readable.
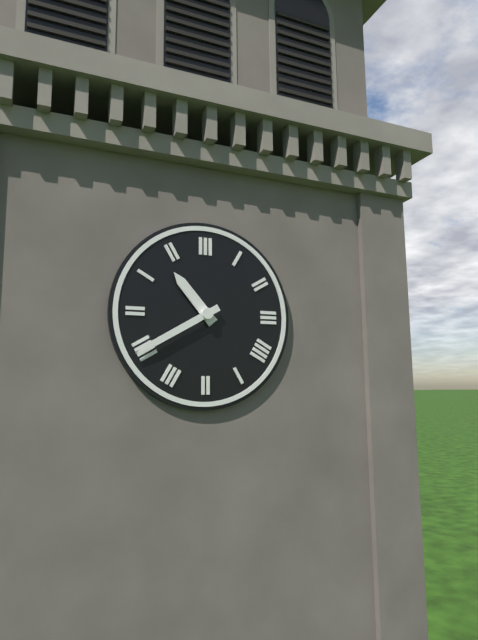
h=10 m=40
